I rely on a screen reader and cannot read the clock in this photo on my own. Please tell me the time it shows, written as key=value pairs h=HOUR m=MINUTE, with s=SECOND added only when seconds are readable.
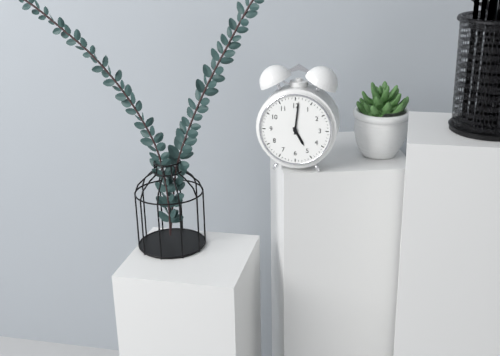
h=5 m=1
